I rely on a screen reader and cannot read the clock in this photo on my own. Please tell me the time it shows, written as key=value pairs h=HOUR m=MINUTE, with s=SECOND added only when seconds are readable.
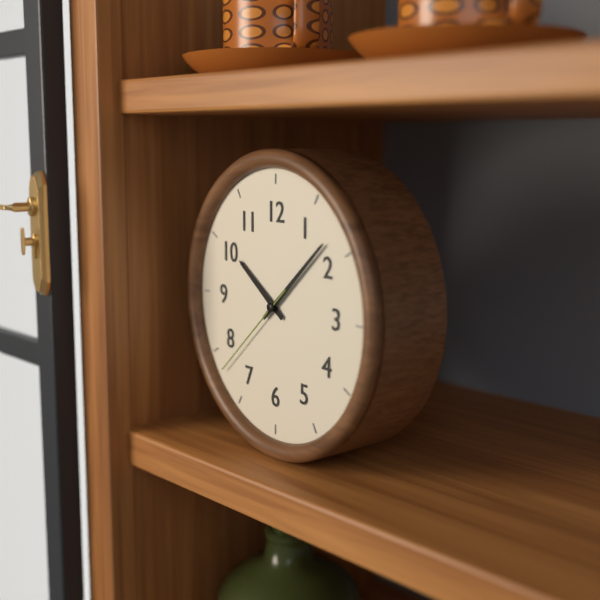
h=10 m=8 s=38
